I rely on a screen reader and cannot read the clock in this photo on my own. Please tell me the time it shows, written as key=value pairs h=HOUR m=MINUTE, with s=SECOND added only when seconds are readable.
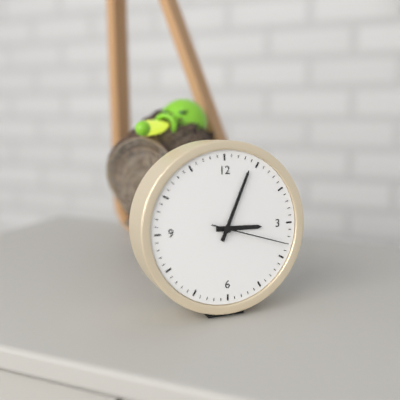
h=3 m=4 s=18
